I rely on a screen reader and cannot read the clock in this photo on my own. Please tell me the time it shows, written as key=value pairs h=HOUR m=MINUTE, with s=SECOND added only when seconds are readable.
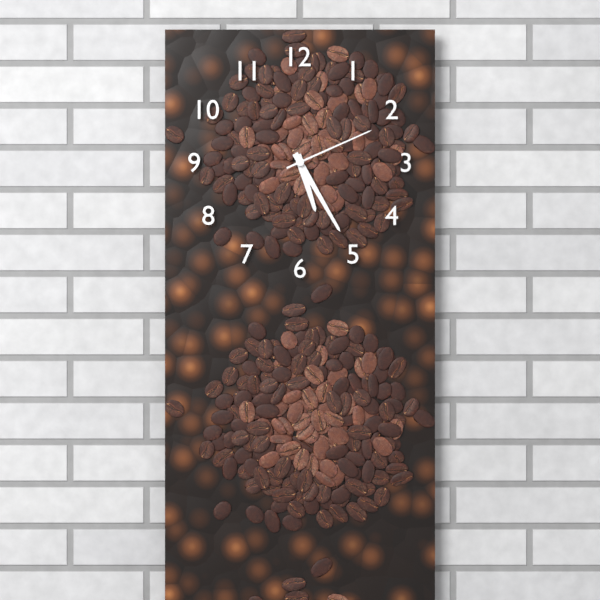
h=5 m=25 s=11
